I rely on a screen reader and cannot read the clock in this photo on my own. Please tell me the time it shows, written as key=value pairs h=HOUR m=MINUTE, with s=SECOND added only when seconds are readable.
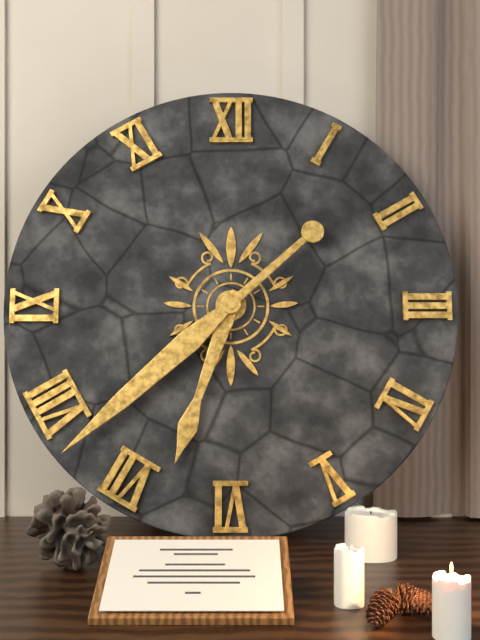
h=6 m=38
